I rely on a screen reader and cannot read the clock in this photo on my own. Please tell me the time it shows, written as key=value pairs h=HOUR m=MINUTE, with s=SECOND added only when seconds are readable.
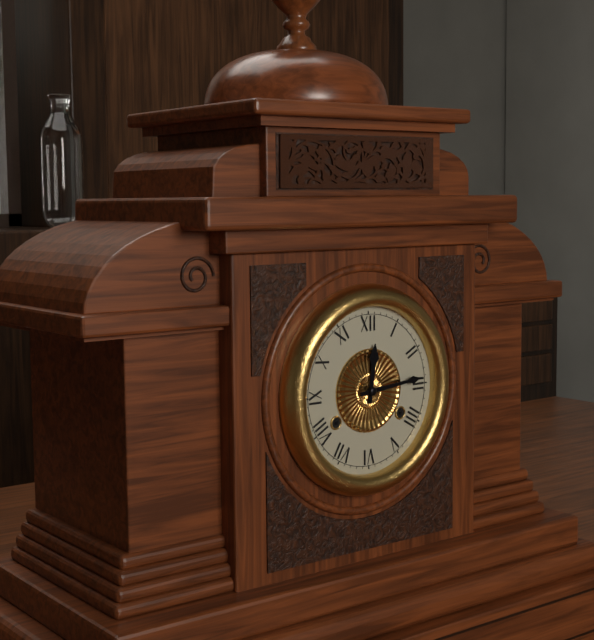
h=12 m=14
